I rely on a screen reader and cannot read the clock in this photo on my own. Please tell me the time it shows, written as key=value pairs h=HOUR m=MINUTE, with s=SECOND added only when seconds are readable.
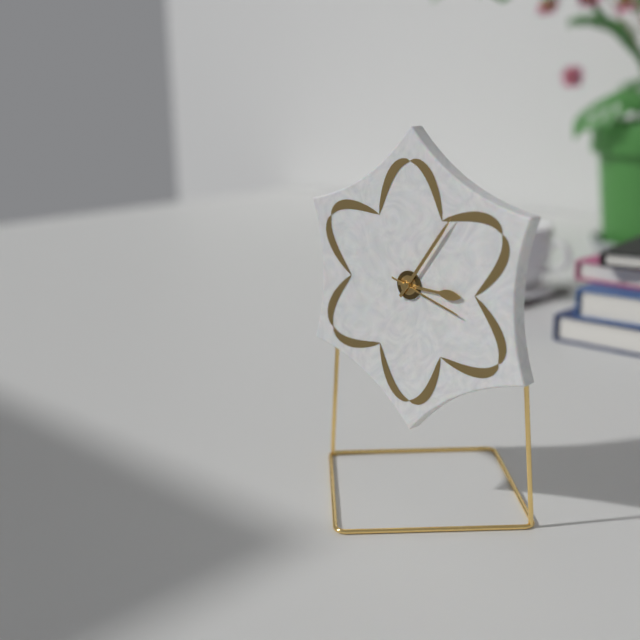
h=3 m=6 s=18
